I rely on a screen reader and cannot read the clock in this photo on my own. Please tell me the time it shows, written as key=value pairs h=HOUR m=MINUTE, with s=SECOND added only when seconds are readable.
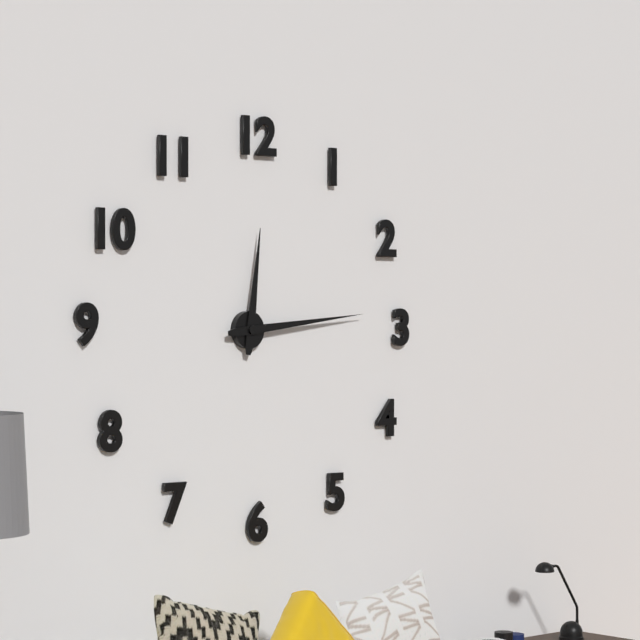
h=12 m=14
